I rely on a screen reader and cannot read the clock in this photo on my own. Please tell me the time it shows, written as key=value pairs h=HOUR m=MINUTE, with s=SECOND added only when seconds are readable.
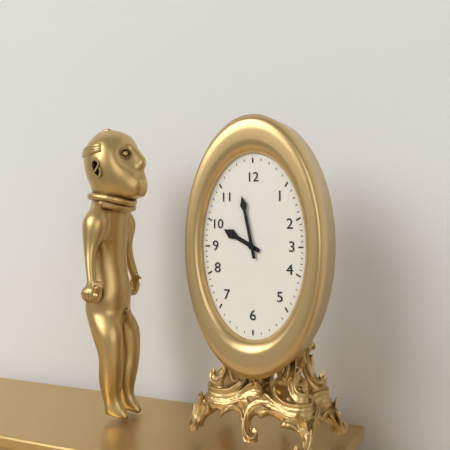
h=9 m=58
